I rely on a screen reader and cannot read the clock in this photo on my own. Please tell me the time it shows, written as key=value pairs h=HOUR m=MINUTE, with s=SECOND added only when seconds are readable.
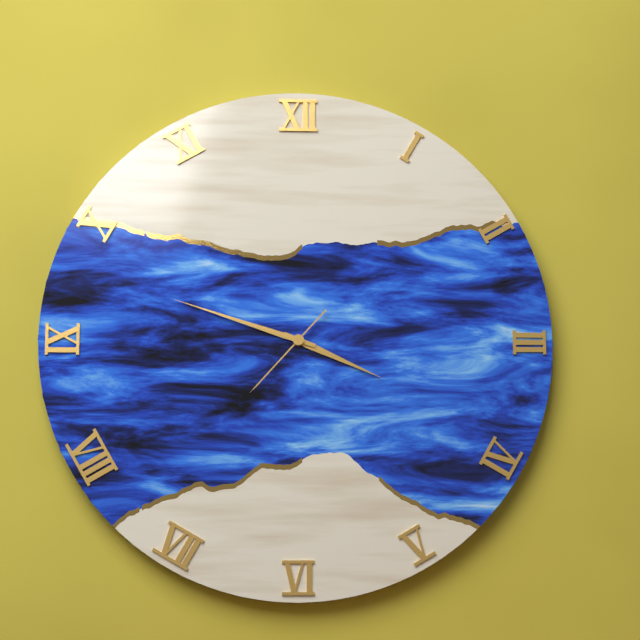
h=3 m=48 s=37
